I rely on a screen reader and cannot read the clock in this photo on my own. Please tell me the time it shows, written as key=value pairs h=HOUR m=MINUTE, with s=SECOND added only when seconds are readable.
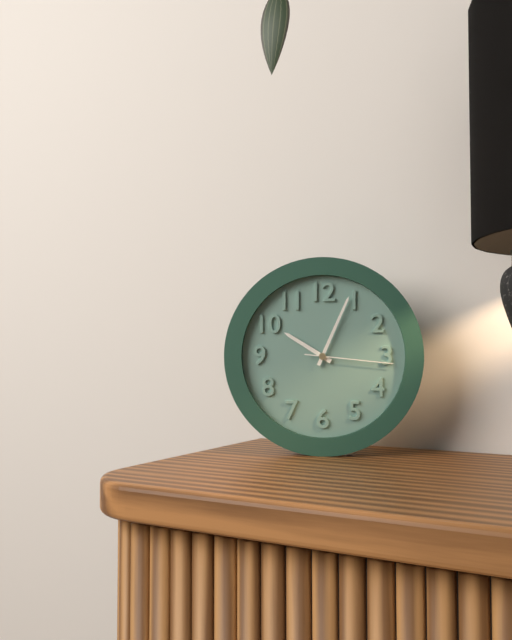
h=10 m=4 s=16
